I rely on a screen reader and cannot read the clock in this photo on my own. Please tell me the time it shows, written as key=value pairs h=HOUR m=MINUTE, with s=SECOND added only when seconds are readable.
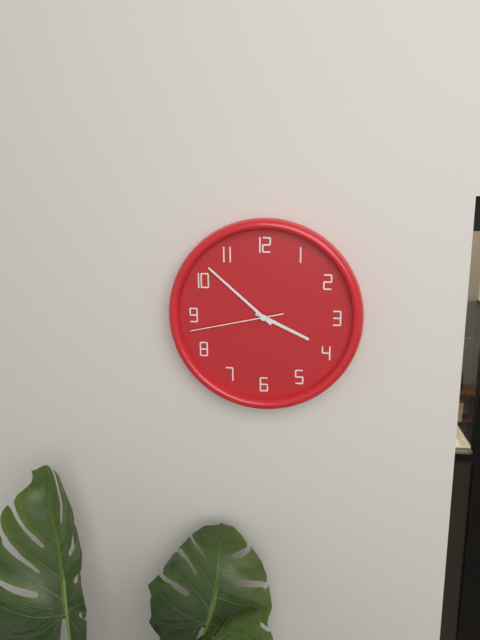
h=3 m=52 s=43
